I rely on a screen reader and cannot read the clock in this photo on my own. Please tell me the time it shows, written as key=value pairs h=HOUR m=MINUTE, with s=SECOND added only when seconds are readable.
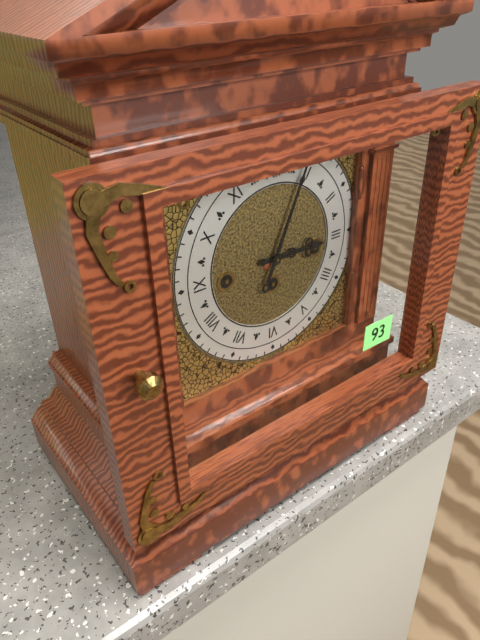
h=3 m=4
